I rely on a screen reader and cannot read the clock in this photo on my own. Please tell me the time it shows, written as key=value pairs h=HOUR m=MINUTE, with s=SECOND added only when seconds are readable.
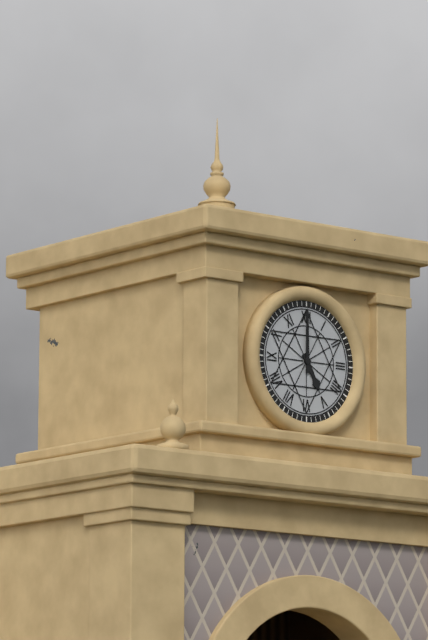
h=5 m=0
